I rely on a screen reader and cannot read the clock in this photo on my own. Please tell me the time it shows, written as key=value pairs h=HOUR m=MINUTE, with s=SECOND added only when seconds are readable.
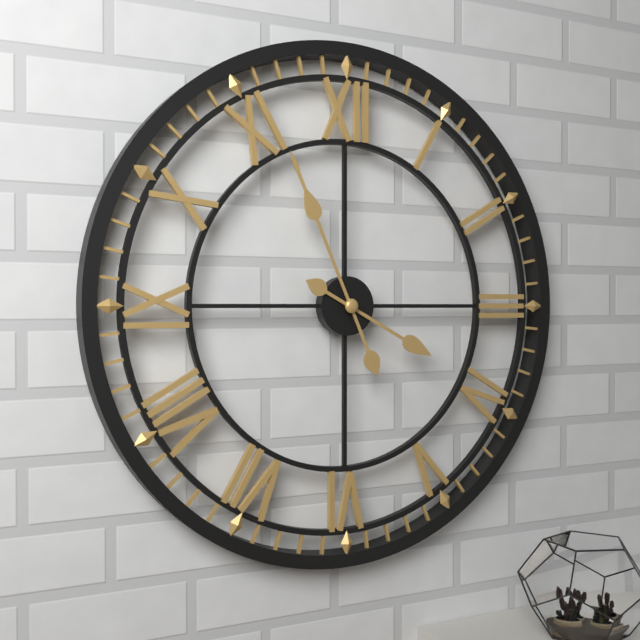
h=3 m=56
